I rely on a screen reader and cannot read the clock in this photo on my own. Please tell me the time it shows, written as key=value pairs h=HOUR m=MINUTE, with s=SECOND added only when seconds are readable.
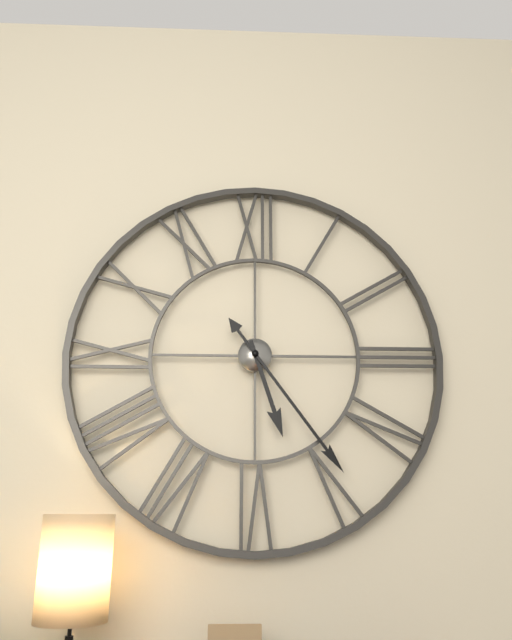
h=5 m=24
